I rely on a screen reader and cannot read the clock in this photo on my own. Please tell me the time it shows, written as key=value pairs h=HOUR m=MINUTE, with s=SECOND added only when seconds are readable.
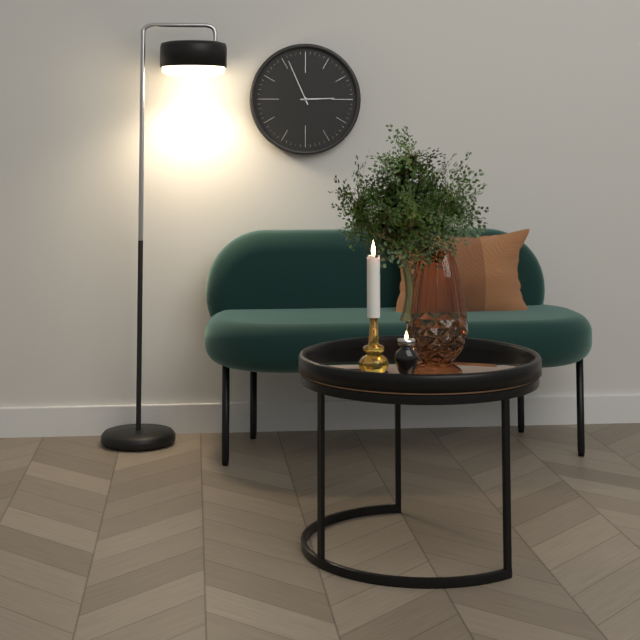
h=2 m=56
